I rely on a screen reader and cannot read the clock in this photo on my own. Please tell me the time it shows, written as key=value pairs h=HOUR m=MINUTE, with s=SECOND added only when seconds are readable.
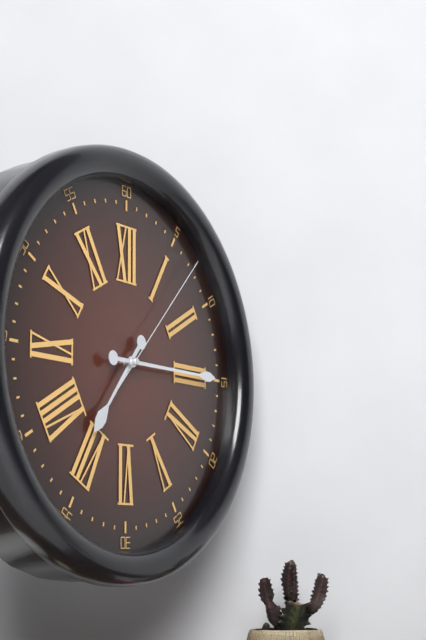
h=7 m=15 s=7
